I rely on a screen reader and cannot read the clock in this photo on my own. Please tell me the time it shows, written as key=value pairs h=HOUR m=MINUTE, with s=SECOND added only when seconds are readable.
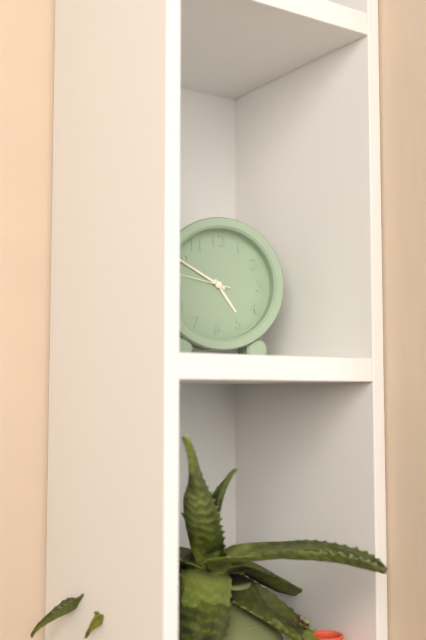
h=4 m=50 s=47
